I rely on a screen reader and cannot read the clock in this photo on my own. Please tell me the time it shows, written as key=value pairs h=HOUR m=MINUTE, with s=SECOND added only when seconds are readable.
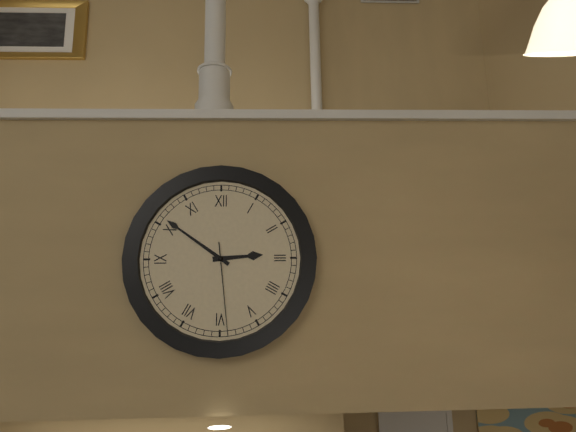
h=2 m=51 s=29
